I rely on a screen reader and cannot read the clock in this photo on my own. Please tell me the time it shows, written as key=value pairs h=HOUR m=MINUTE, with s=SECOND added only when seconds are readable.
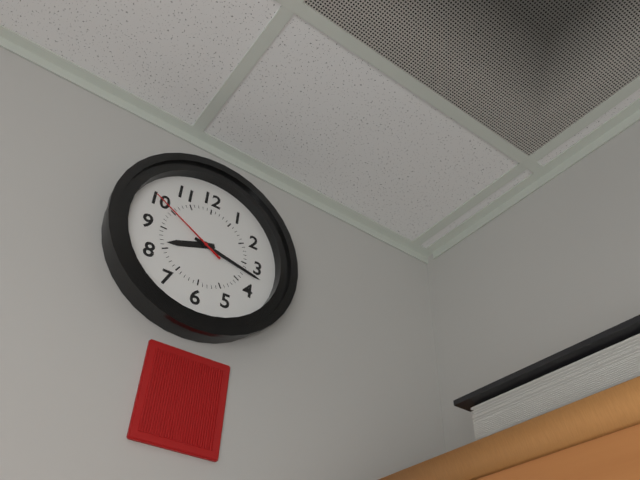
h=8 m=17 s=50
